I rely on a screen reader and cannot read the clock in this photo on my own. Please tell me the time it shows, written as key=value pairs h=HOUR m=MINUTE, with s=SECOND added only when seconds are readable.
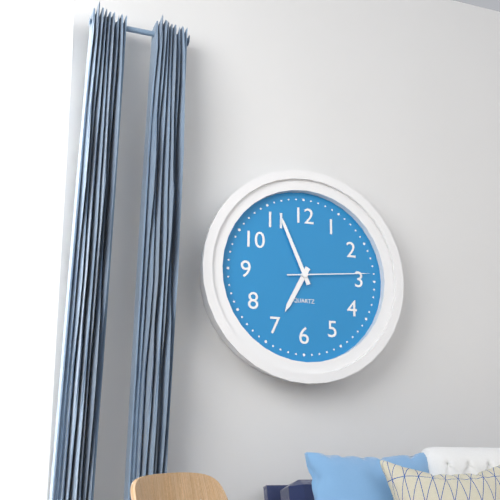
h=6 m=56 s=14
